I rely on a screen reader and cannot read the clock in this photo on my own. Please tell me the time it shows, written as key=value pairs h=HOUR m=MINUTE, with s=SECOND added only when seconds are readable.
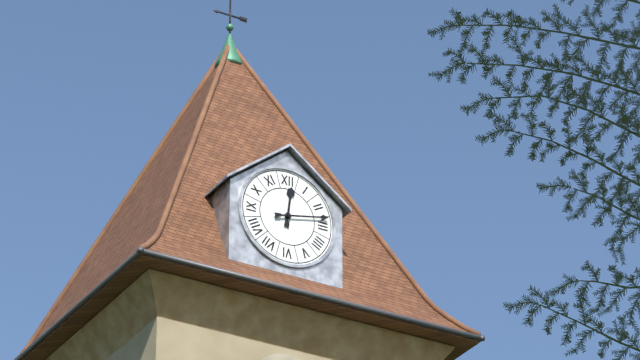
h=12 m=13
